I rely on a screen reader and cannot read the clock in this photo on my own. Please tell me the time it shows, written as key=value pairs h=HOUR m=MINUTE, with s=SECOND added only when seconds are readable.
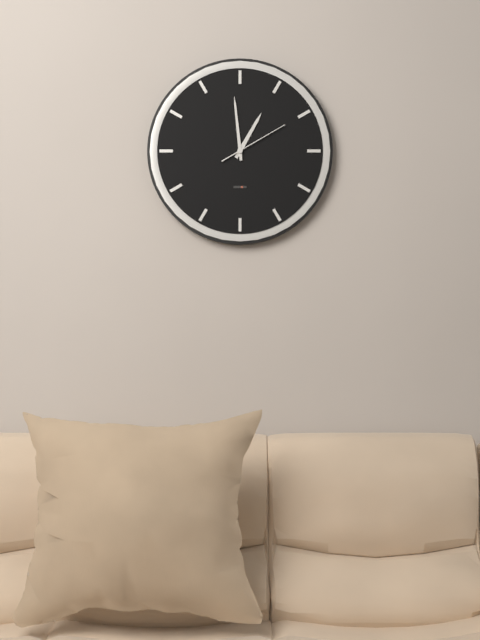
h=12 m=59 s=10
